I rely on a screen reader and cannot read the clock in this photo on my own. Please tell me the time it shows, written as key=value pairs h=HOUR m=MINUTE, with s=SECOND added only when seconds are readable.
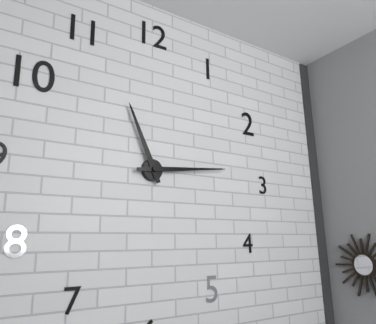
h=11 m=14
